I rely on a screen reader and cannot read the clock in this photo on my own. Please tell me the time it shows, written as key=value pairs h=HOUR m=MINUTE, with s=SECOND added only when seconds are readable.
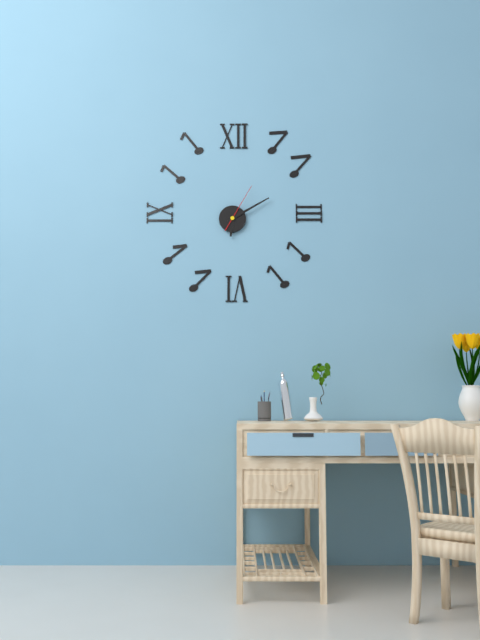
h=6 m=10
